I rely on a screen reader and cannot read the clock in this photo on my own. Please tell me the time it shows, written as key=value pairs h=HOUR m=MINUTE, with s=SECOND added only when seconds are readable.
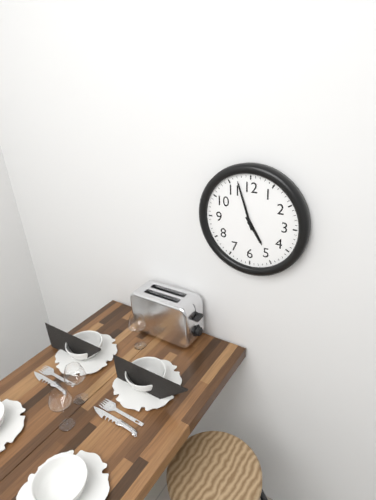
h=4 m=57
